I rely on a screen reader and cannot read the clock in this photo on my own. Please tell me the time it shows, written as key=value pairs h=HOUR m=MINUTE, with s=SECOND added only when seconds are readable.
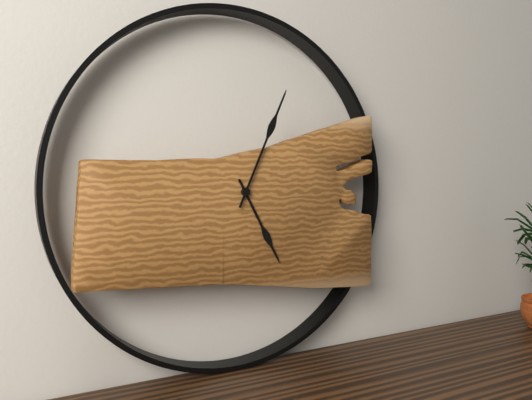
h=5 m=4
